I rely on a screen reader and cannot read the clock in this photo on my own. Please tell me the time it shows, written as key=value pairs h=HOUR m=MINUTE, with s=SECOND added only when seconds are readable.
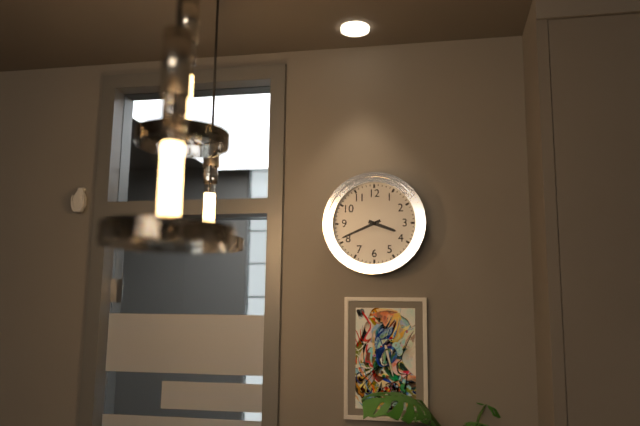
h=3 m=41
